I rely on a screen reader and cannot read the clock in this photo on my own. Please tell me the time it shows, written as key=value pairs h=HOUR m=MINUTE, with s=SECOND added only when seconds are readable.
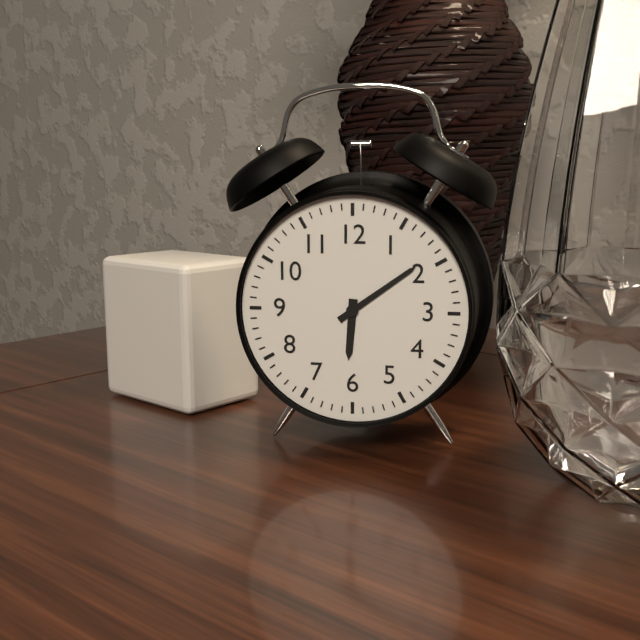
h=6 m=9
